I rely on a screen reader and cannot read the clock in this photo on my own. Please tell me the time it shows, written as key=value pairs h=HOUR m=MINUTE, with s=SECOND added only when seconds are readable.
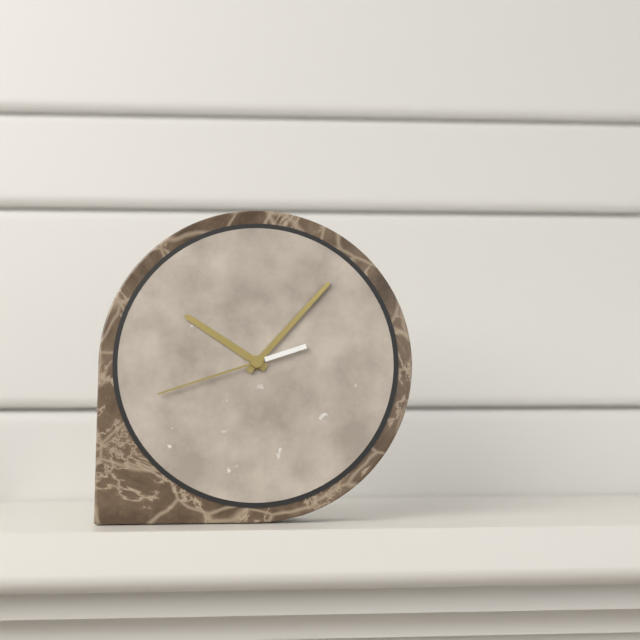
h=10 m=7 s=42
